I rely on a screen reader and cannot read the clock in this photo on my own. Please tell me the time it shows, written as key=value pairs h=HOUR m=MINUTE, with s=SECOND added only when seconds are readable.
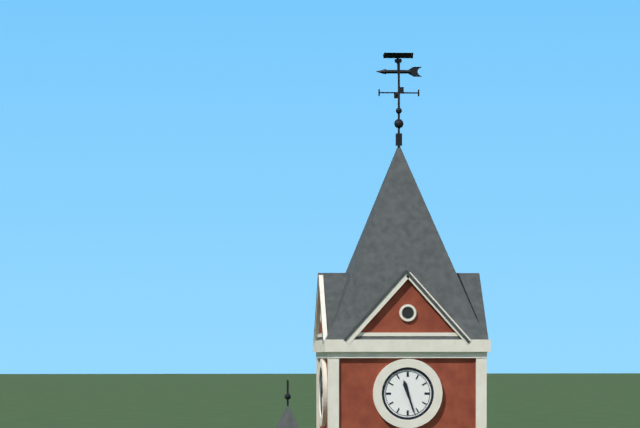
h=11 m=27
